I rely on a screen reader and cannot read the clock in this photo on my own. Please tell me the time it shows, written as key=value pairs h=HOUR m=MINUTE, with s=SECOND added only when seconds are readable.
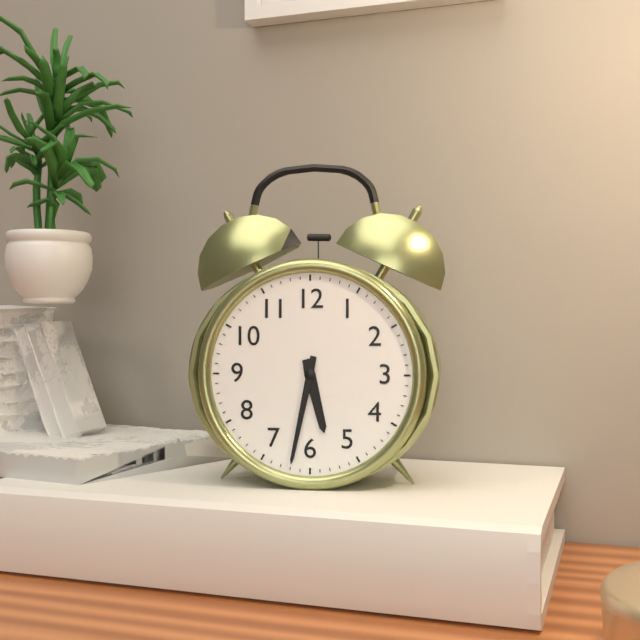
h=5 m=32
